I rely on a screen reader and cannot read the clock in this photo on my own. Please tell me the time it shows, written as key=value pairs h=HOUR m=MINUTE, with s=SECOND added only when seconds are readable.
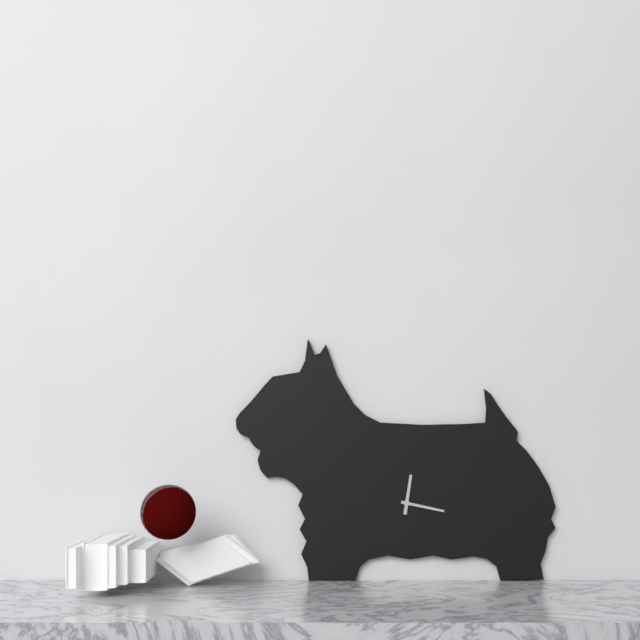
h=12 m=17
